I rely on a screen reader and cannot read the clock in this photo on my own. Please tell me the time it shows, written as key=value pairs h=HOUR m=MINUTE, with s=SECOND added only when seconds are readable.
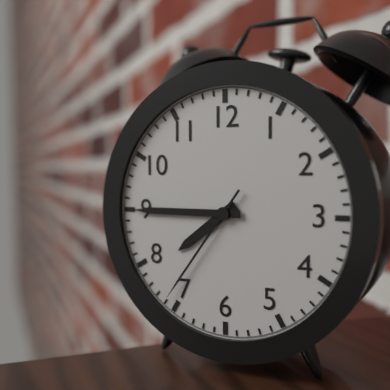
h=7 m=45 s=36
